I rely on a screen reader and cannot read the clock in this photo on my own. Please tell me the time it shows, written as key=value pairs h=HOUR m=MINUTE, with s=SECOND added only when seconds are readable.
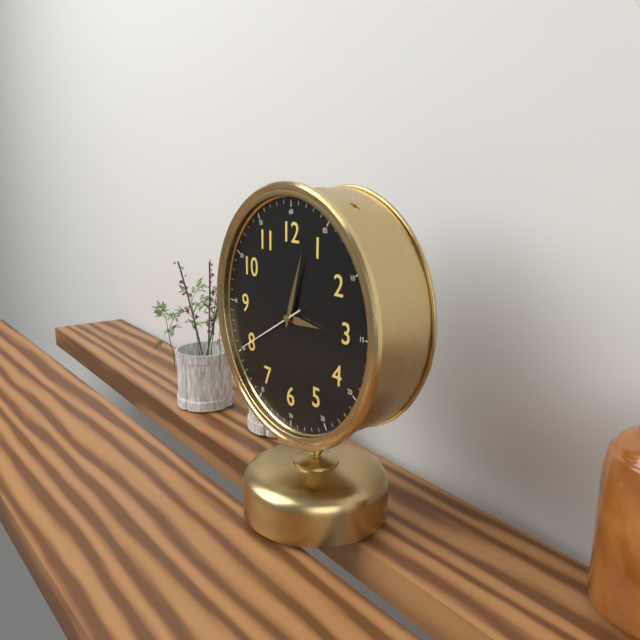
h=3 m=3 s=40
